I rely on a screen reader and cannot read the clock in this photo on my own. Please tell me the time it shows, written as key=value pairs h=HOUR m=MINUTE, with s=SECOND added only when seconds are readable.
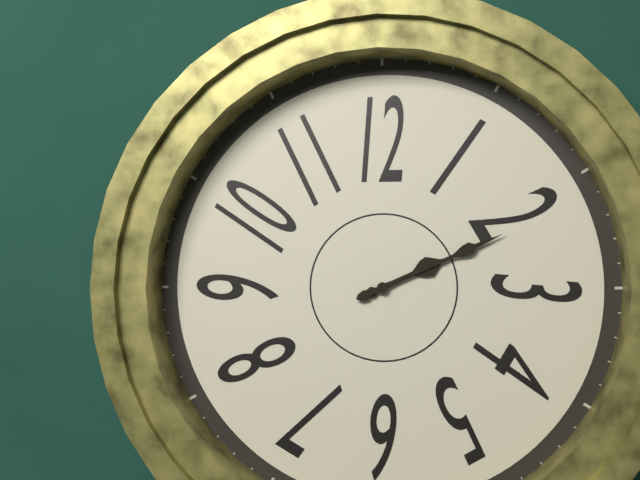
h=2 m=11
